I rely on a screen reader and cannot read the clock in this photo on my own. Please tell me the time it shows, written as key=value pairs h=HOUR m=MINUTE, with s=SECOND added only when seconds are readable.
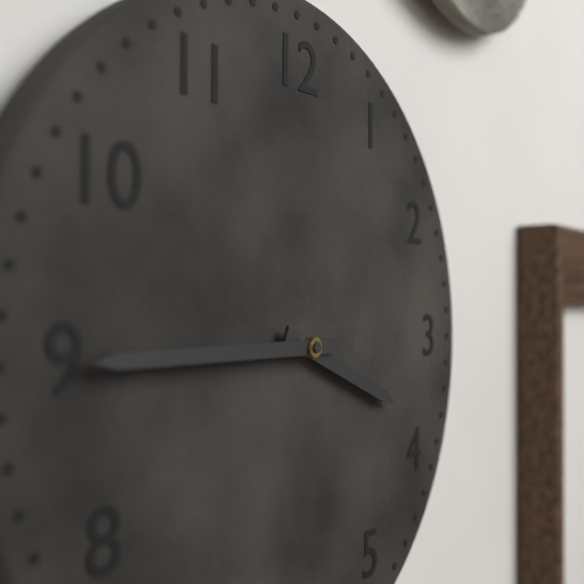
h=3 m=45
